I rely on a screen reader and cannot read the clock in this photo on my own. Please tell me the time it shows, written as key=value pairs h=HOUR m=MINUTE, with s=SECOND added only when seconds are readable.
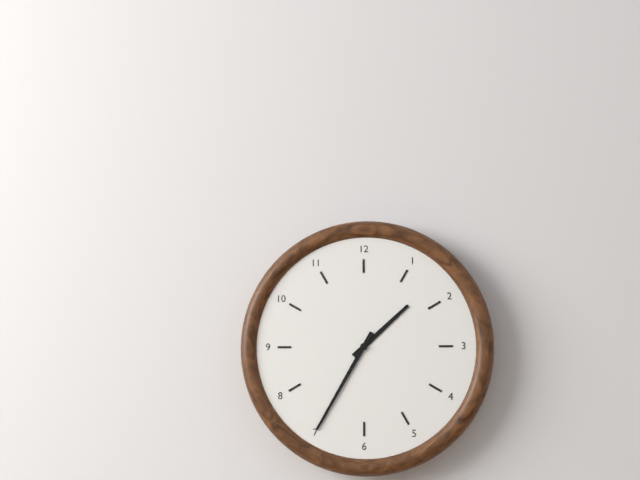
h=1 m=35
